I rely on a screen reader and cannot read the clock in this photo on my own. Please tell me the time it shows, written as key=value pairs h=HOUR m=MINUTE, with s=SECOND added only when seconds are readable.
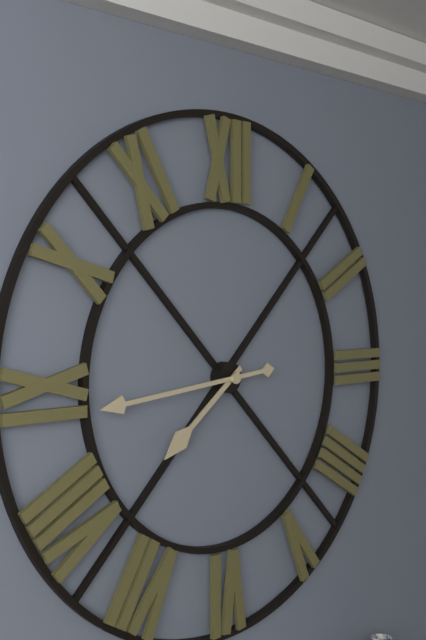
h=7 m=44
